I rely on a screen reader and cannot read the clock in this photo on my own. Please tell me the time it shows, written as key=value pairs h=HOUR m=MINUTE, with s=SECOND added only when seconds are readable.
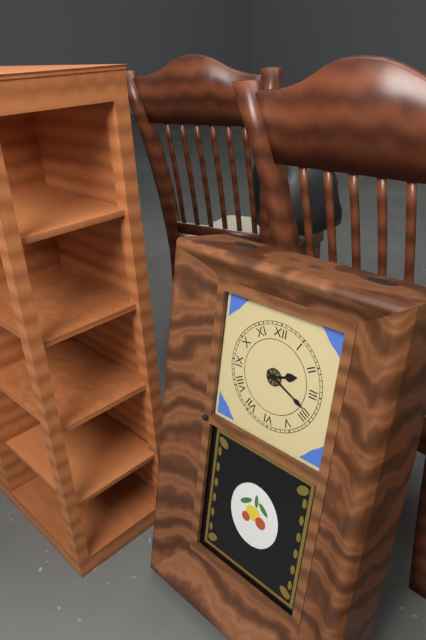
h=2 m=19
